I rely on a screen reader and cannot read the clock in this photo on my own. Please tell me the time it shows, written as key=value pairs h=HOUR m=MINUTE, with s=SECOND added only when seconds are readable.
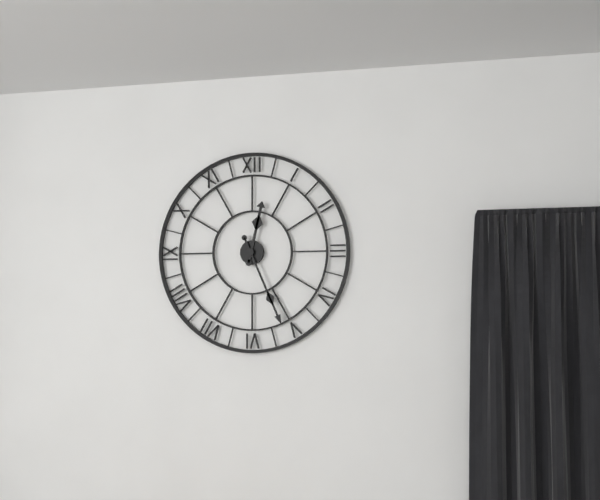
h=12 m=26
